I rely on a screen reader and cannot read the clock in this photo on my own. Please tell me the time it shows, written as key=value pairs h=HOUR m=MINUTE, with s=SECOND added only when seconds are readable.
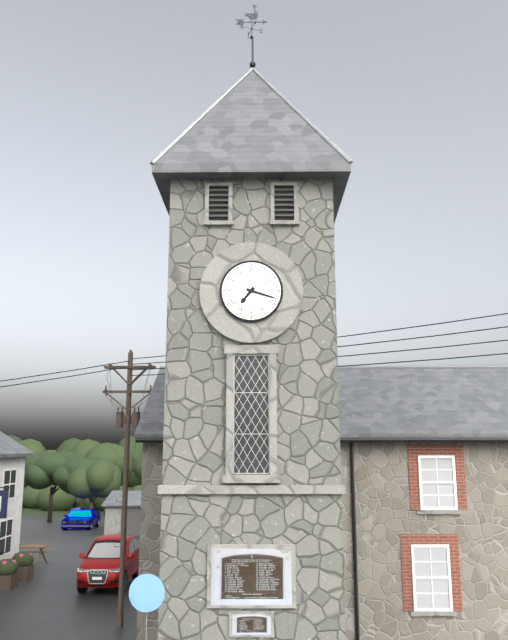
h=7 m=18
